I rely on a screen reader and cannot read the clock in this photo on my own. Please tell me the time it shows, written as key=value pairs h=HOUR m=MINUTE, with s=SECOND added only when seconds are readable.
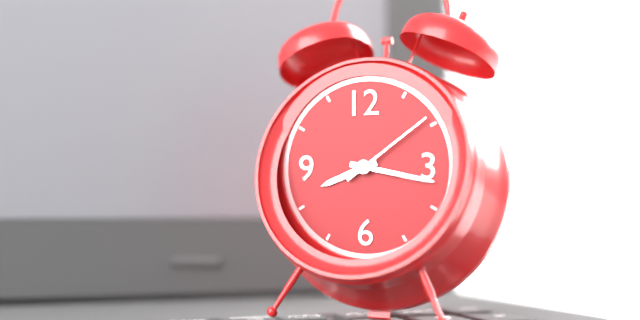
h=8 m=17 s=9
